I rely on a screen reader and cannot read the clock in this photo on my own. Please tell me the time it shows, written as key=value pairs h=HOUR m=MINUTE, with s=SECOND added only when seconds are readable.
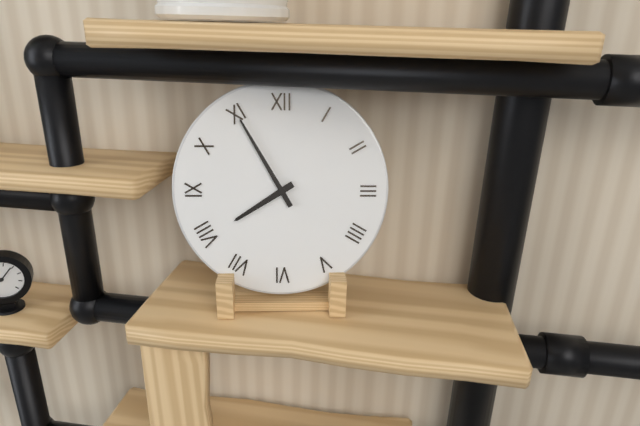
h=7 m=55
